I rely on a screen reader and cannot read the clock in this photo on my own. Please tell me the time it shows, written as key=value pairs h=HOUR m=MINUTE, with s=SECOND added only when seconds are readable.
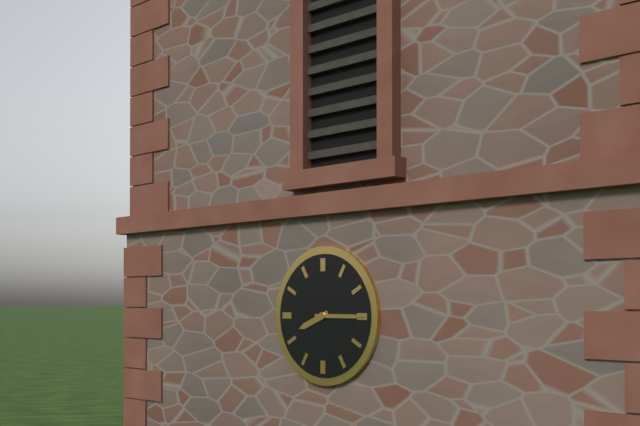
h=8 m=15
